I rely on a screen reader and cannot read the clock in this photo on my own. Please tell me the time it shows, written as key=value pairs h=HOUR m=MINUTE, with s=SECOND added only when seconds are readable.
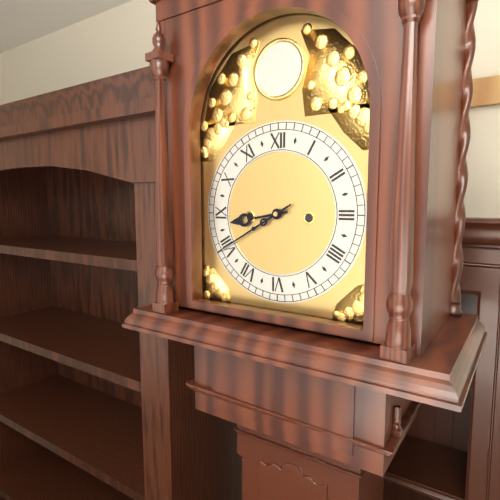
h=8 m=40
